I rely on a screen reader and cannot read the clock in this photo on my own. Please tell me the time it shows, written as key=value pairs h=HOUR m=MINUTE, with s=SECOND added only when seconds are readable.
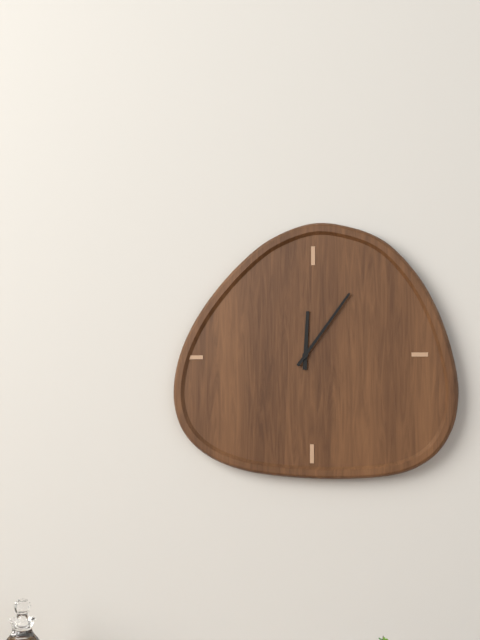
h=12 m=6
